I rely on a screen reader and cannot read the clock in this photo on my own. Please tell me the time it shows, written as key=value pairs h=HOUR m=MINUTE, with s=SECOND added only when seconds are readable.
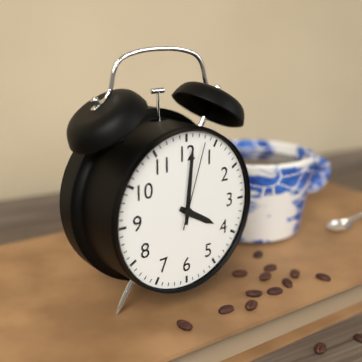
h=4 m=1 s=3
